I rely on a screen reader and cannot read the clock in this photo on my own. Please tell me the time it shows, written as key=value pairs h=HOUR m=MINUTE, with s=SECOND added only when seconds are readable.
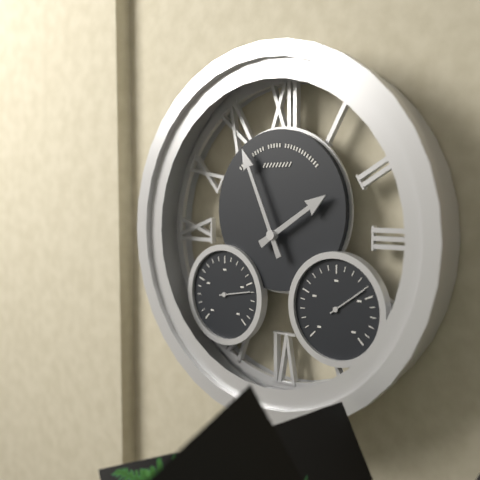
h=1 m=56
